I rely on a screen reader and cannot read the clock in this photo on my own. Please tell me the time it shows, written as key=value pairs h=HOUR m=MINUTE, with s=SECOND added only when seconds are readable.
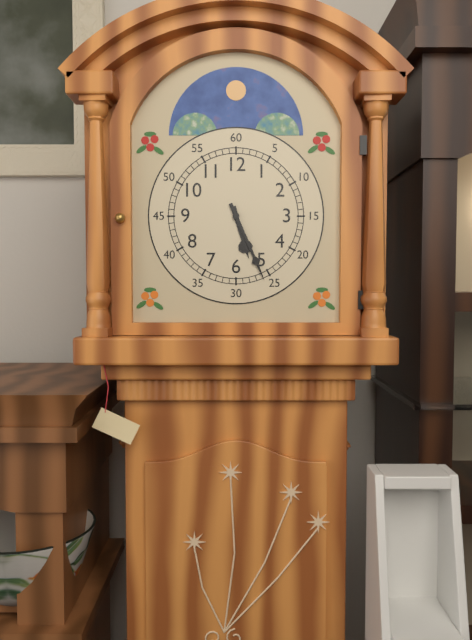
h=5 m=26
